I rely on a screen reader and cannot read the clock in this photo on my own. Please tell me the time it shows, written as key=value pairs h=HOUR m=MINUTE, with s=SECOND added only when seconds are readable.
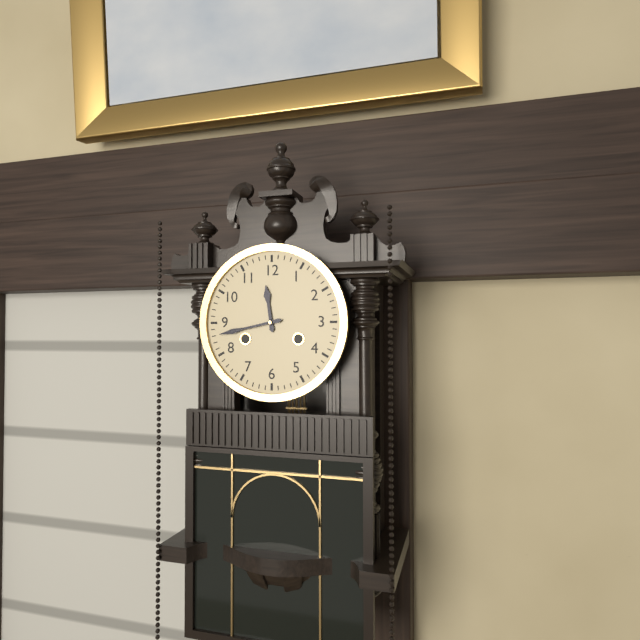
h=11 m=43
